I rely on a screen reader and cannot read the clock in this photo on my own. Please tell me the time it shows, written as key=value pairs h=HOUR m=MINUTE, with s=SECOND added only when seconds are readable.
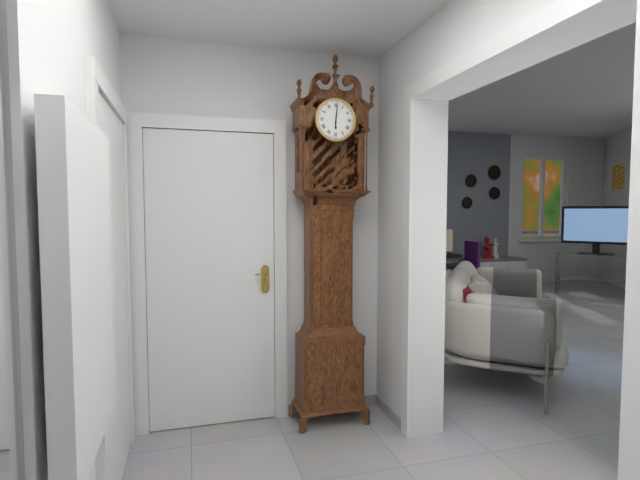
h=6 m=1
